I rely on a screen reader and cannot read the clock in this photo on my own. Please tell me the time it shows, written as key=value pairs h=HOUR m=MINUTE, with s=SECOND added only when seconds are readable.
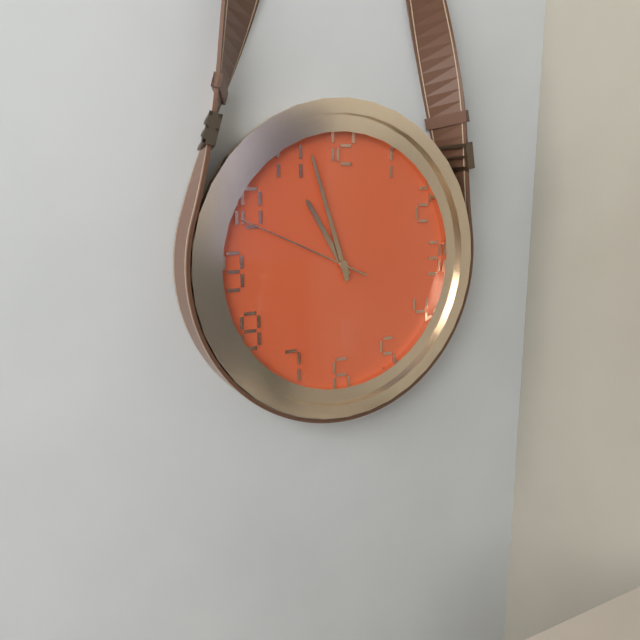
h=10 m=57 s=49
